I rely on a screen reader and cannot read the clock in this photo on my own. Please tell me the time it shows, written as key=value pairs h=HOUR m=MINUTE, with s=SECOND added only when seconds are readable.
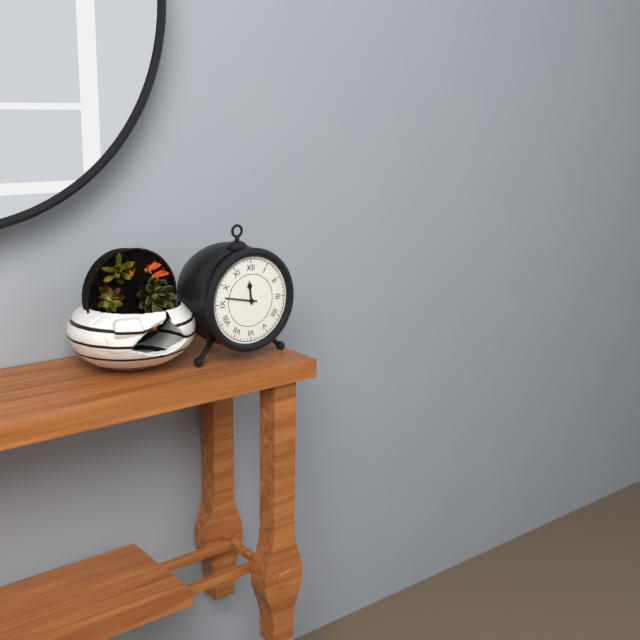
h=11 m=47
